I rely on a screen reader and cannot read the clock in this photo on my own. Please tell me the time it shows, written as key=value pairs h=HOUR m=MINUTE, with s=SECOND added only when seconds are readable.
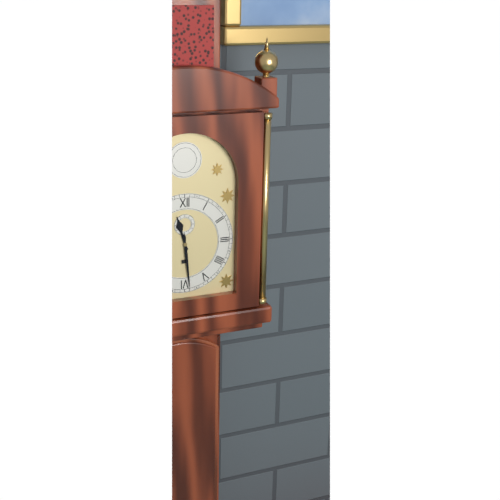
h=11 m=29
